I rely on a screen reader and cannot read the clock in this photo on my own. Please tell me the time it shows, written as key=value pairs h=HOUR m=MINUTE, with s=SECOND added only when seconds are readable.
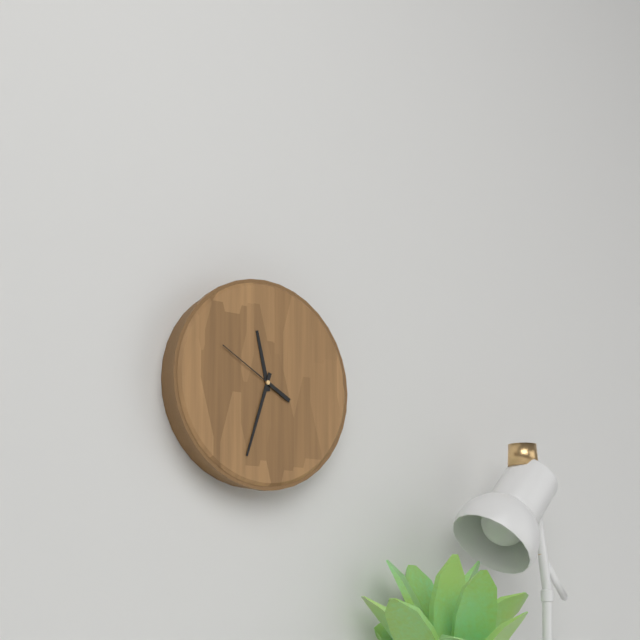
h=11 m=33 s=50
